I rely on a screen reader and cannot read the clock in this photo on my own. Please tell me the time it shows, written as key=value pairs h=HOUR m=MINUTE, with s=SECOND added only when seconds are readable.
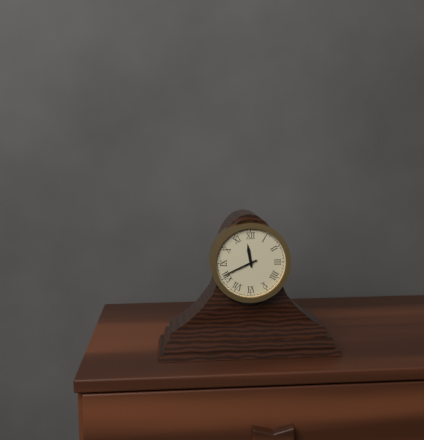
h=11 m=41
